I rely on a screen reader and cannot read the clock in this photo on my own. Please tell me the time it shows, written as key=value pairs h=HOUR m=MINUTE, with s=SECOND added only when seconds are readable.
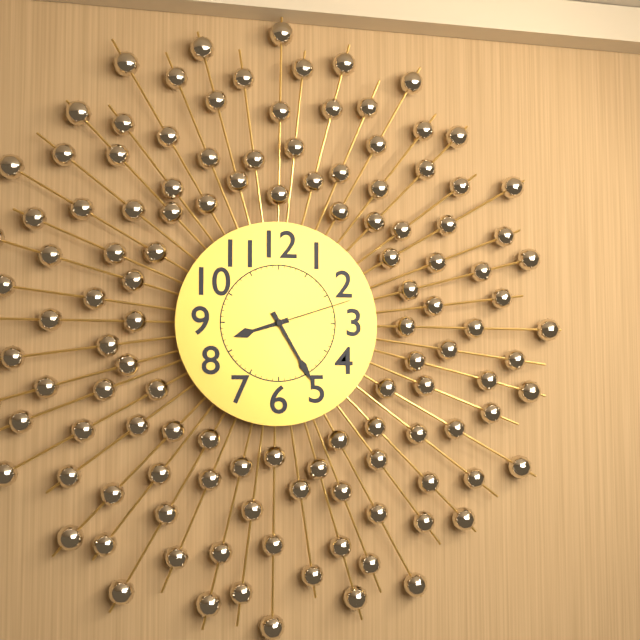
h=8 m=25 s=12
